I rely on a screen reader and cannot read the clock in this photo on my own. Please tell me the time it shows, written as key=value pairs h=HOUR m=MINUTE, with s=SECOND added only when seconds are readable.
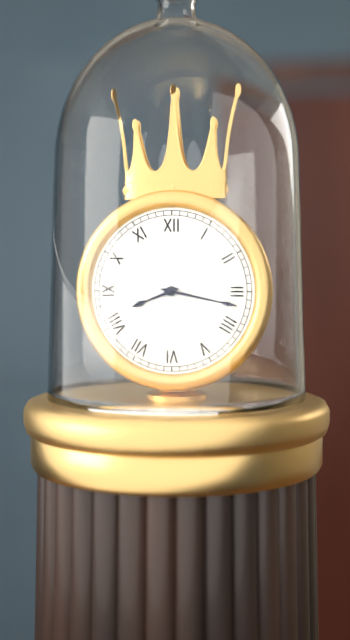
h=8 m=17
